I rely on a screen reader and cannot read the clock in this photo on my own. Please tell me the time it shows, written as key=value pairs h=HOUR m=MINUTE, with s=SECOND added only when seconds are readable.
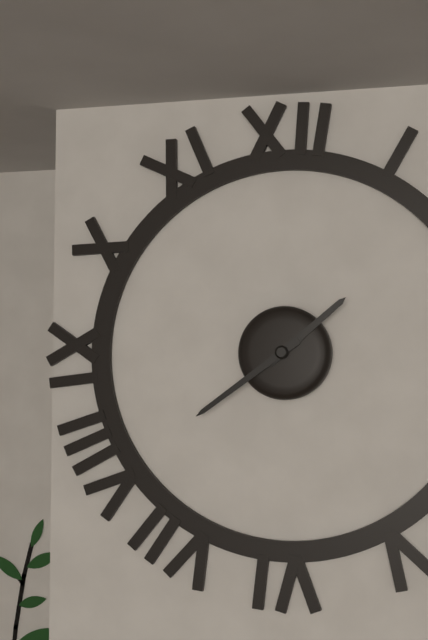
h=1 m=39
